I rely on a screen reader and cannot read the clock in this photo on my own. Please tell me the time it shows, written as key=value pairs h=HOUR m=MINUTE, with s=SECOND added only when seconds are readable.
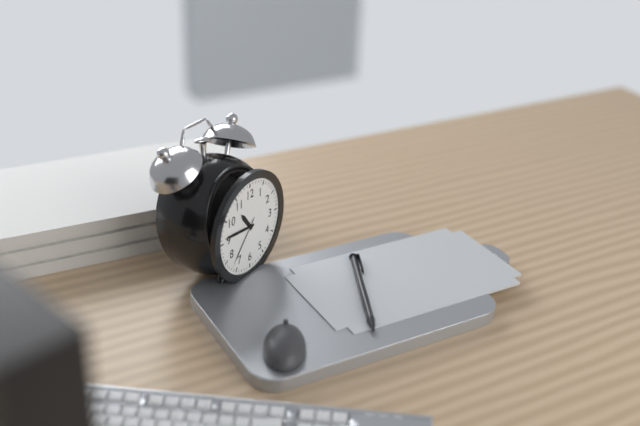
h=10 m=46 s=37
